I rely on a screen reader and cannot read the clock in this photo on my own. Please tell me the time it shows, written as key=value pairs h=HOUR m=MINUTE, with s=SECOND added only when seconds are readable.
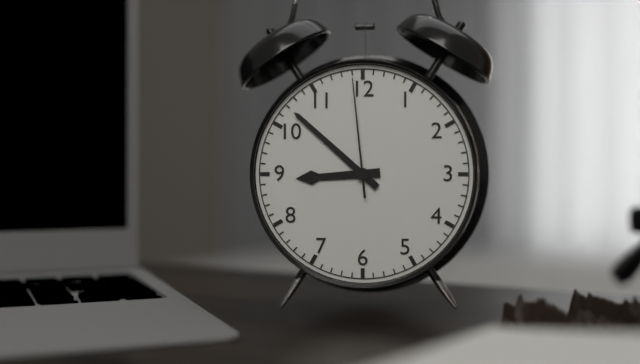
h=8 m=52 s=59
